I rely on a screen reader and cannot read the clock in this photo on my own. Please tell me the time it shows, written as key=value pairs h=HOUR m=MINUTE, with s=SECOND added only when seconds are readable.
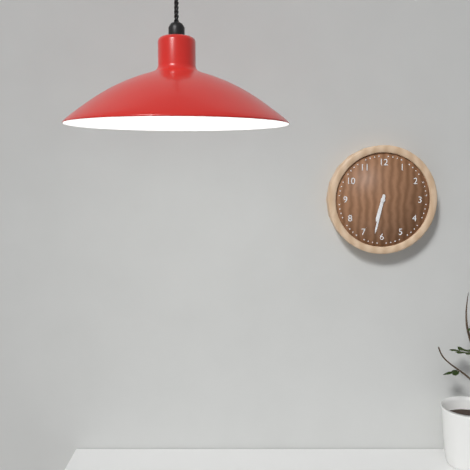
h=6 m=32
